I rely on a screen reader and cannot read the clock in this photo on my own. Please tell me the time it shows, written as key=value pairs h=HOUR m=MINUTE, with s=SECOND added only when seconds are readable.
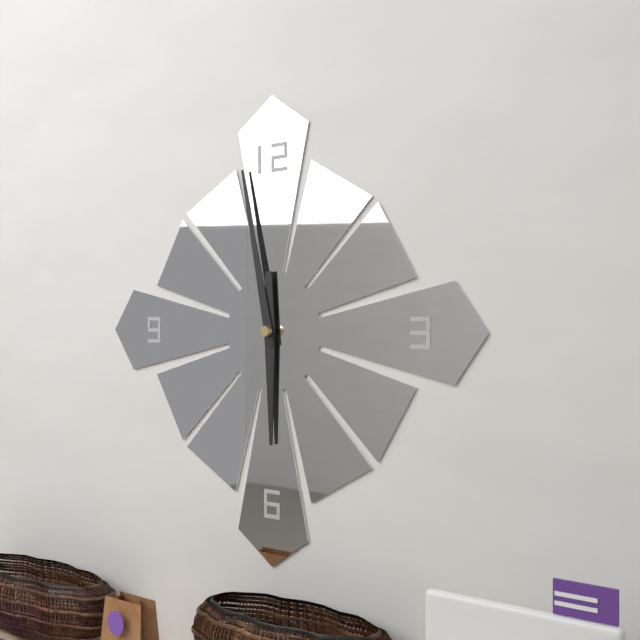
h=5 m=58
